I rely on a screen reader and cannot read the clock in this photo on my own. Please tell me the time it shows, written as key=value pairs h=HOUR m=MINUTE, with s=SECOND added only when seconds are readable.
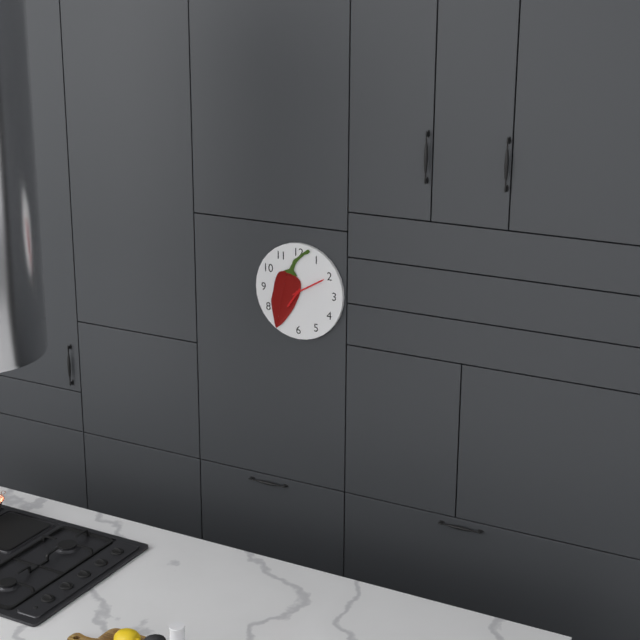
h=7 m=10
